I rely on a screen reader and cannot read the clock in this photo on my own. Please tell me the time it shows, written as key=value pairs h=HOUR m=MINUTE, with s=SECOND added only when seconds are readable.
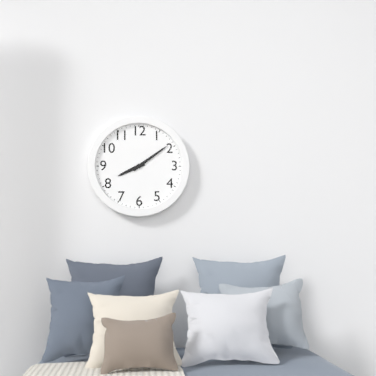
h=8 m=9
